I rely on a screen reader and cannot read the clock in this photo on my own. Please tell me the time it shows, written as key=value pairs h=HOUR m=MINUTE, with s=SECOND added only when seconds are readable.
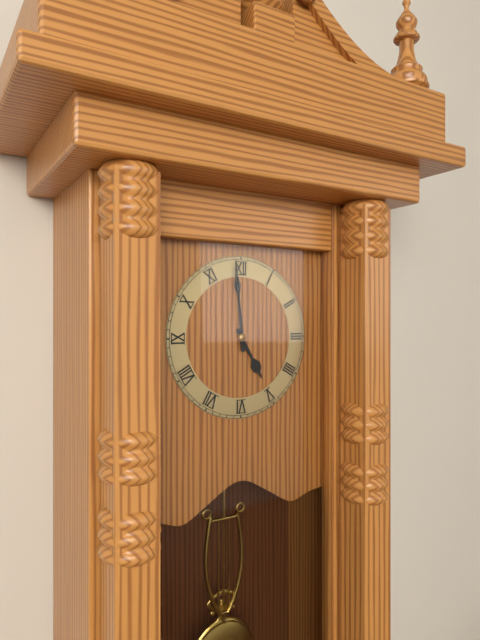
h=4 m=59
